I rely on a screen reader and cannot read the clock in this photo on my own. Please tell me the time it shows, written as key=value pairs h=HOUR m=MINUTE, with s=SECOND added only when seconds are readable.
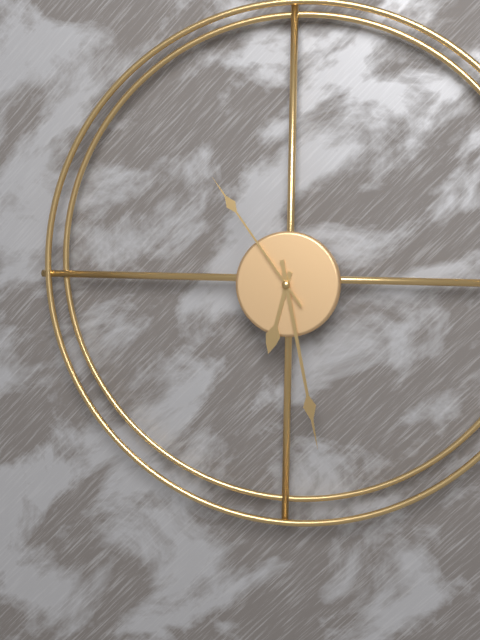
h=6 m=28 s=54
